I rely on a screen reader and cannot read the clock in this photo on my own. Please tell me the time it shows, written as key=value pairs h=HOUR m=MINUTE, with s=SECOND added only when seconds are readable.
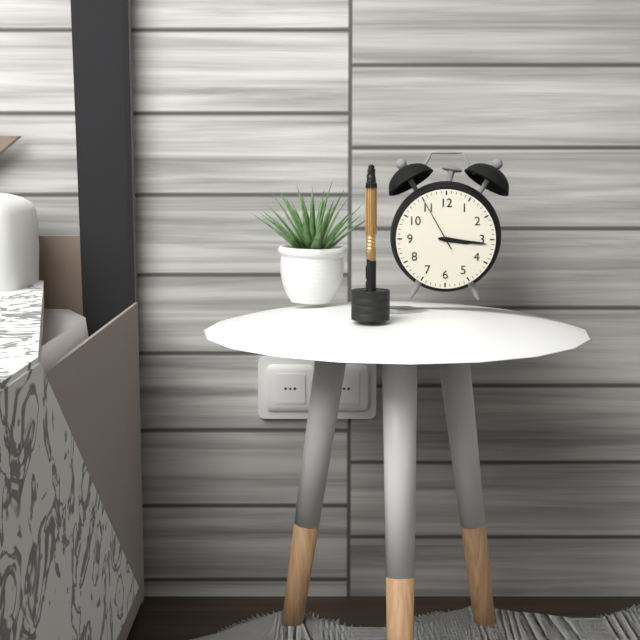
h=3 m=16 s=55
